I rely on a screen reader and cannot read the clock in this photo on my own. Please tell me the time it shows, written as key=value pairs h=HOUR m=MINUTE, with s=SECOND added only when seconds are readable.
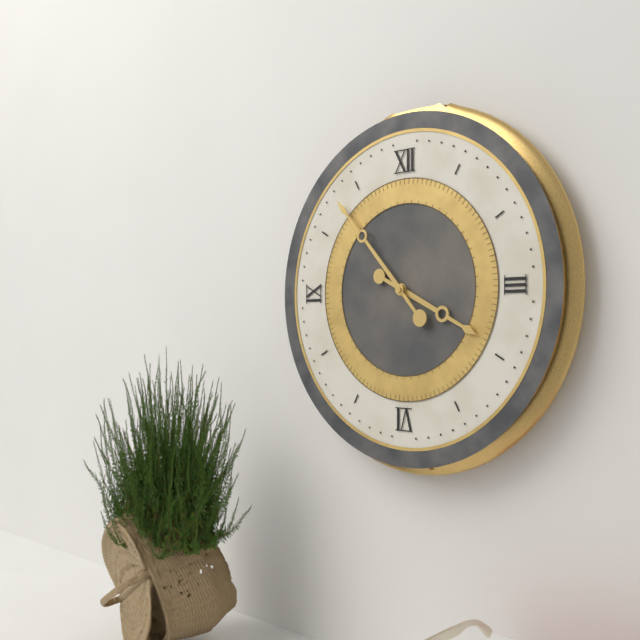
h=3 m=53
